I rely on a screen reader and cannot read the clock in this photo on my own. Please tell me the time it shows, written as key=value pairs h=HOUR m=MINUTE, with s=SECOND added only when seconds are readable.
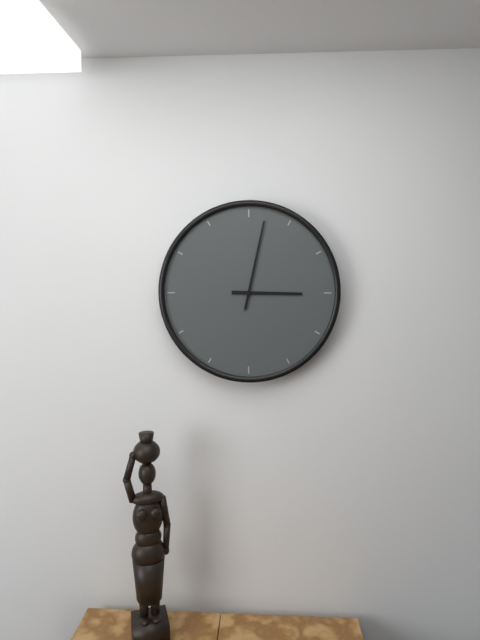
h=3 m=2
